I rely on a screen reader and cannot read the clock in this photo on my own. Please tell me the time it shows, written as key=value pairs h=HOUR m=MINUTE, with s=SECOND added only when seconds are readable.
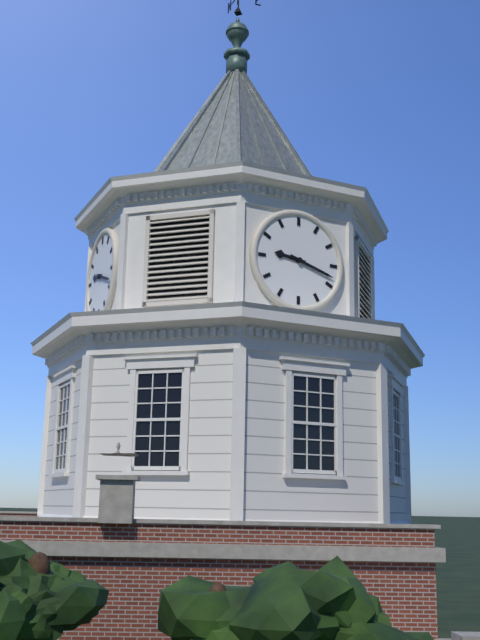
h=9 m=18
